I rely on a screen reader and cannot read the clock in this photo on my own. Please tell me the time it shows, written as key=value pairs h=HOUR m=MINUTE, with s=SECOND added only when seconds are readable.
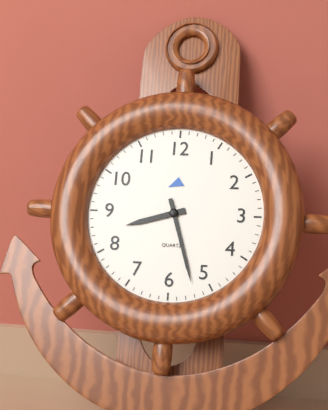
h=8 m=27
